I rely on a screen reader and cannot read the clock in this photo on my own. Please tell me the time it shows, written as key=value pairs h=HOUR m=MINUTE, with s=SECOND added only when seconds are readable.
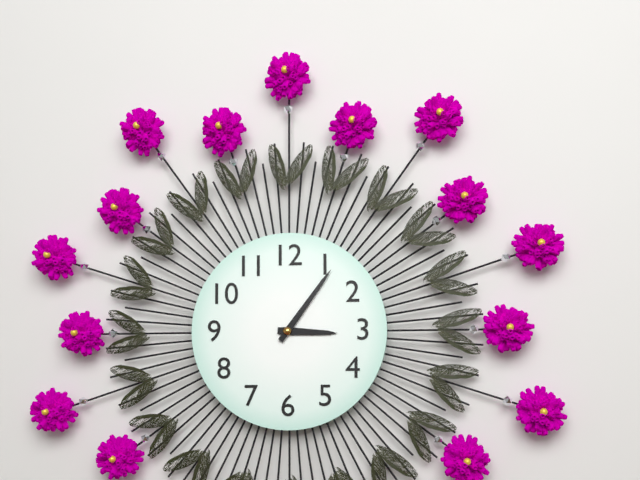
h=3 m=6
